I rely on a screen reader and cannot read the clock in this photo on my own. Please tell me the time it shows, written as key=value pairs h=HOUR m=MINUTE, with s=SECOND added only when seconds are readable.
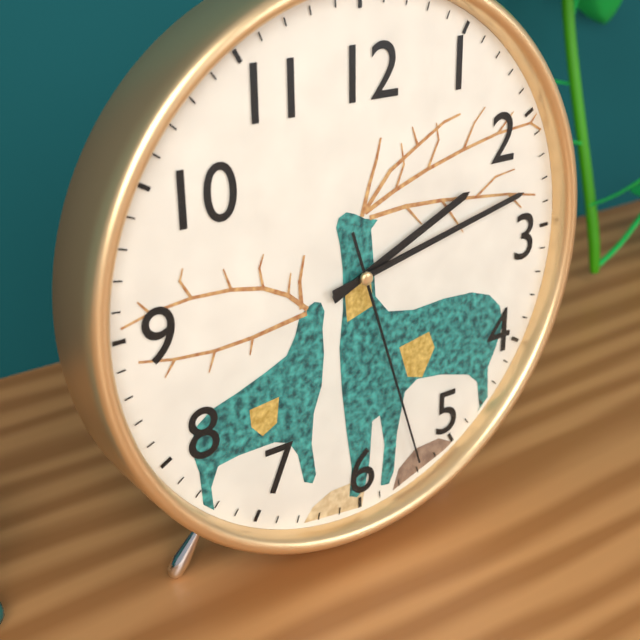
h=2 m=13 s=27
